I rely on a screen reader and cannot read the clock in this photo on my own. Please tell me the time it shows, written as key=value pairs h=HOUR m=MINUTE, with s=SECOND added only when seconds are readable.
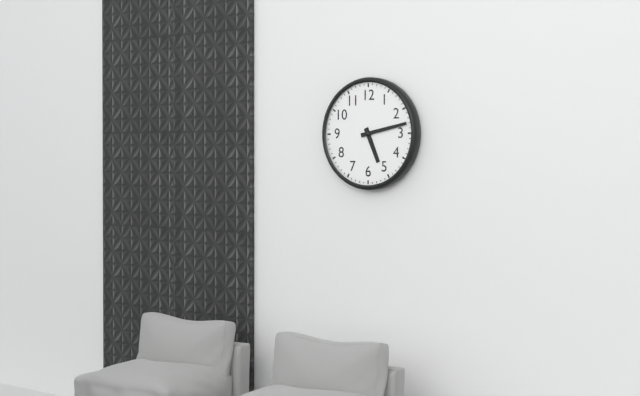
h=5 m=13
